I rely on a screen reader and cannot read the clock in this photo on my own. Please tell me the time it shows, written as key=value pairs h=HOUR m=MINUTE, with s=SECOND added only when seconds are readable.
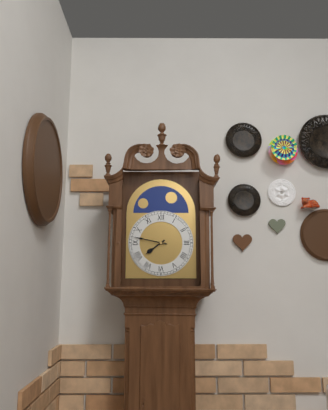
h=7 m=47
